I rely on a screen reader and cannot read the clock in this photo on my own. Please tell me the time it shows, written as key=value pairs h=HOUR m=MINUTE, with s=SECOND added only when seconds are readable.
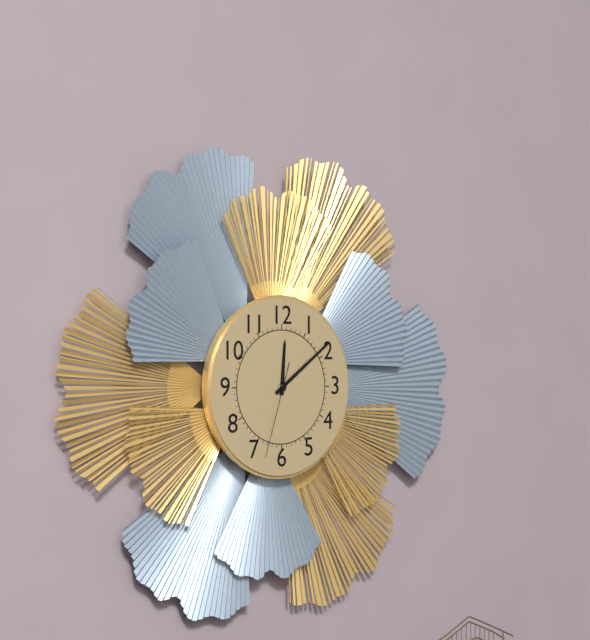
h=12 m=9 s=33
